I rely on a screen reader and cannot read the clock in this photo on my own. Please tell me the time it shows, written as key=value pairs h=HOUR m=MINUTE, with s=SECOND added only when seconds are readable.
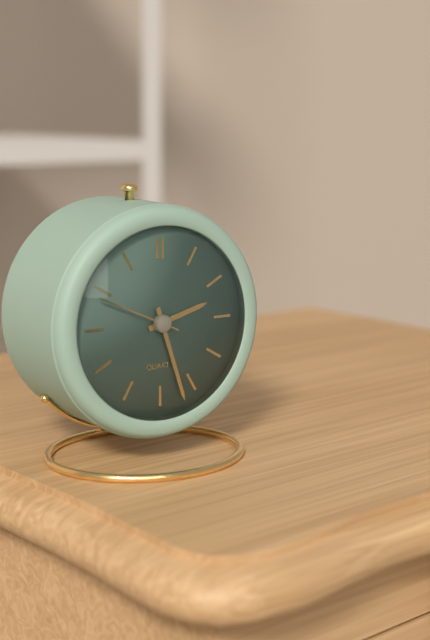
h=2 m=27 s=49
